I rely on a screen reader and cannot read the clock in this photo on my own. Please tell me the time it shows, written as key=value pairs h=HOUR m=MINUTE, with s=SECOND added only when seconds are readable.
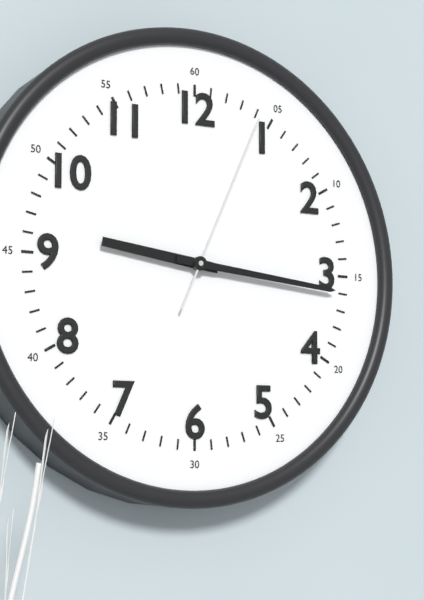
h=9 m=16 s=4
